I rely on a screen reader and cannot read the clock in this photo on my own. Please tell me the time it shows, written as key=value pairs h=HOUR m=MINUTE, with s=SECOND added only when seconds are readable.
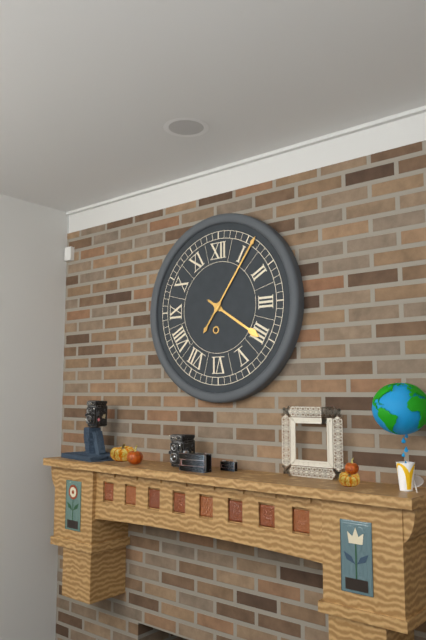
h=4 m=6
